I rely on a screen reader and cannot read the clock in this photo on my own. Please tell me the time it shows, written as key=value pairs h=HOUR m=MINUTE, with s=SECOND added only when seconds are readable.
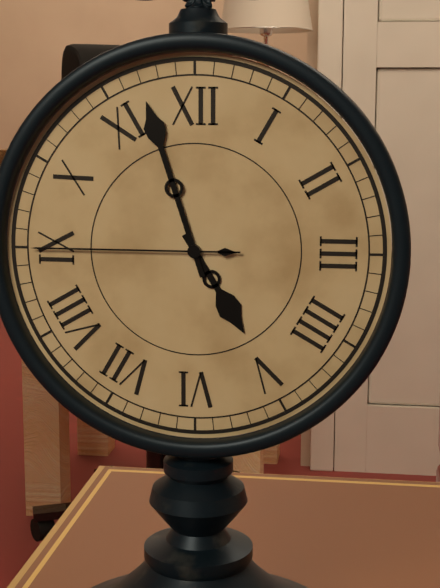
h=4 m=57 s=45
